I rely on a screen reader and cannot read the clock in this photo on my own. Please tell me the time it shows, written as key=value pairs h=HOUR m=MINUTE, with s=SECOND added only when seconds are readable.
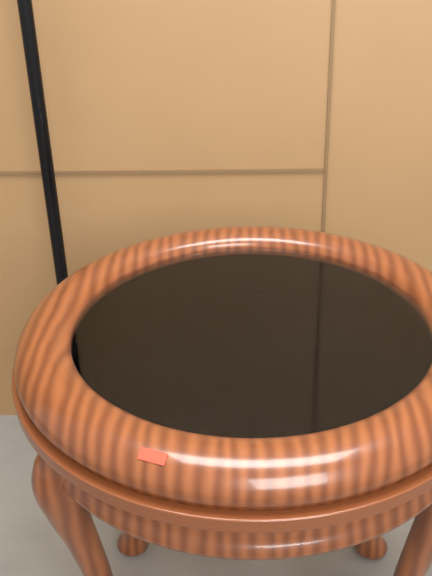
h=10 m=0
